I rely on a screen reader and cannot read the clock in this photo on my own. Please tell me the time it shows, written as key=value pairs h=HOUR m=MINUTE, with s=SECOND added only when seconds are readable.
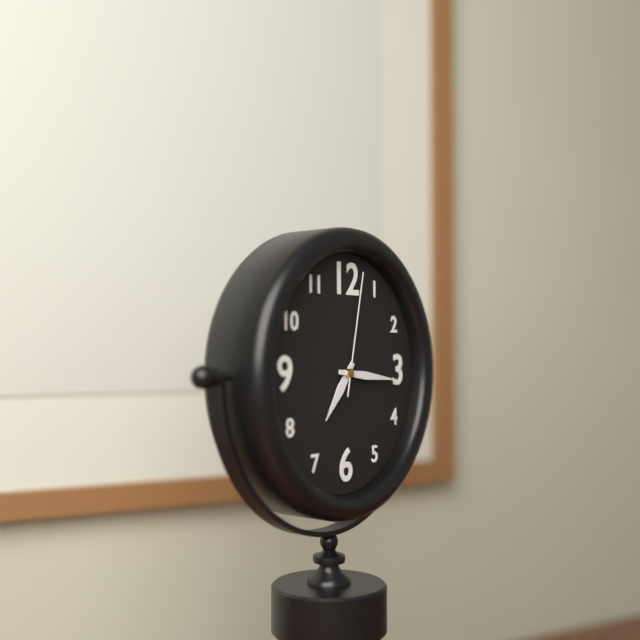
h=7 m=16 s=2
